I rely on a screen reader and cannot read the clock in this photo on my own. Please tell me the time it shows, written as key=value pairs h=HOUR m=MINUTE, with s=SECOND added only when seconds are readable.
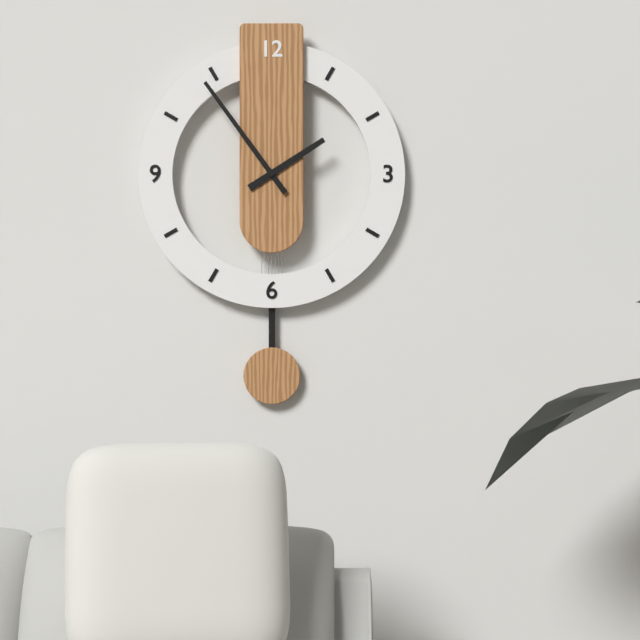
h=1 m=54
